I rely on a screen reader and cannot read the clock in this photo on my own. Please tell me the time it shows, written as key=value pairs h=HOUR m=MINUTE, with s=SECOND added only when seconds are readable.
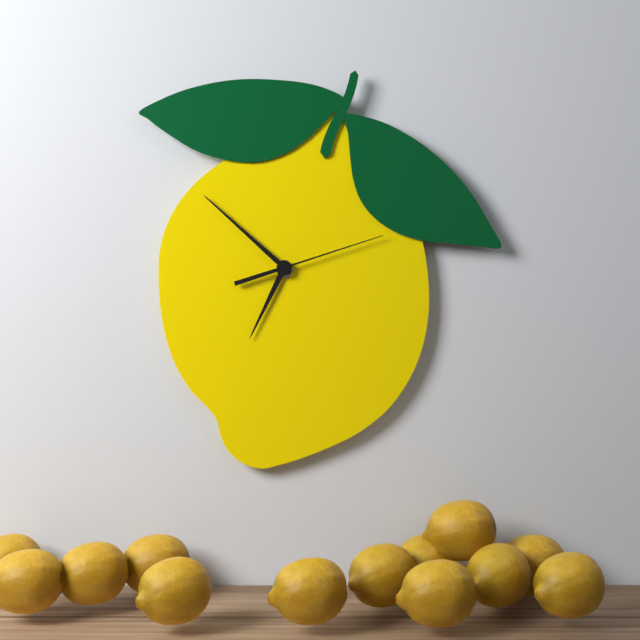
h=6 m=52 s=12
